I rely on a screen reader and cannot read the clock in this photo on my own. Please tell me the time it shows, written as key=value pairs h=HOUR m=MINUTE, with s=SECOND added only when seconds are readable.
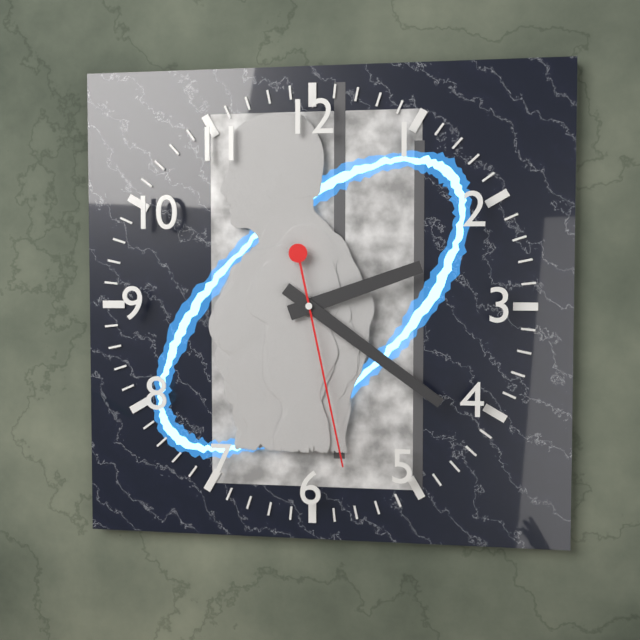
h=2 m=21 s=28
